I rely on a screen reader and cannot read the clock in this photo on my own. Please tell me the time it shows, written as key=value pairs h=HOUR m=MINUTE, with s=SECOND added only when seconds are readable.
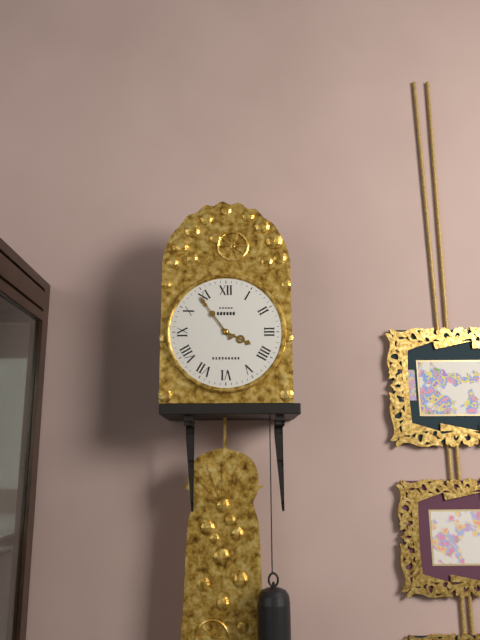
h=3 m=54
